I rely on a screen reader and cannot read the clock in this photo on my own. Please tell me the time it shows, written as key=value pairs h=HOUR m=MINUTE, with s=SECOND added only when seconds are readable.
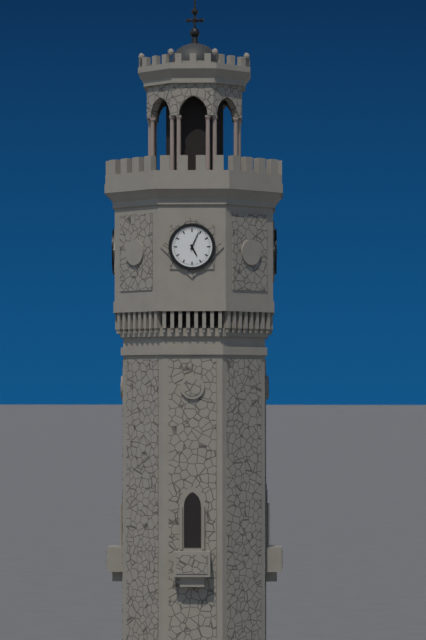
h=5 m=4
